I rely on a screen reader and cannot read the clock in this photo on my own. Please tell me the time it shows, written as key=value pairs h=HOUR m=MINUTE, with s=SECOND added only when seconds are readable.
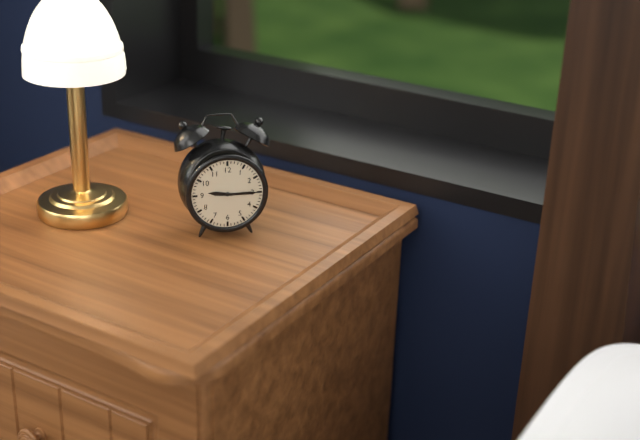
h=9 m=15
